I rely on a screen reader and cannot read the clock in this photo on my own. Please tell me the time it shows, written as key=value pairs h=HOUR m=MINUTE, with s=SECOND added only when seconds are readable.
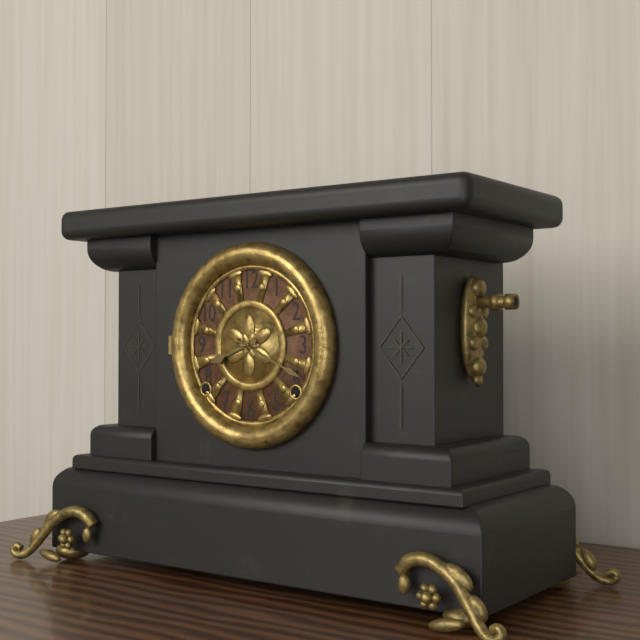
h=8 m=19
